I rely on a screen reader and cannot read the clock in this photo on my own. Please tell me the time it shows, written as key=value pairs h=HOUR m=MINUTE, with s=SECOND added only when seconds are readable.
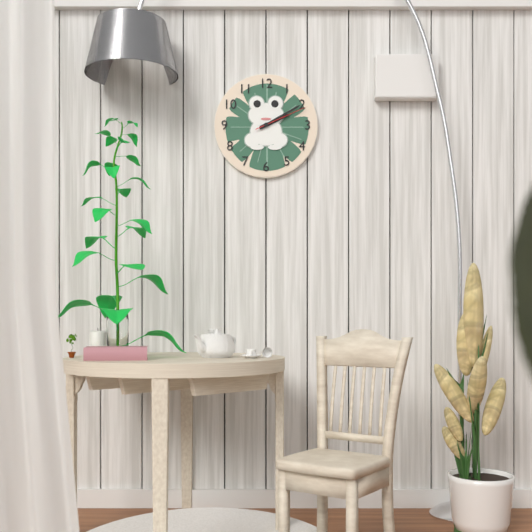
h=2 m=10 s=11
